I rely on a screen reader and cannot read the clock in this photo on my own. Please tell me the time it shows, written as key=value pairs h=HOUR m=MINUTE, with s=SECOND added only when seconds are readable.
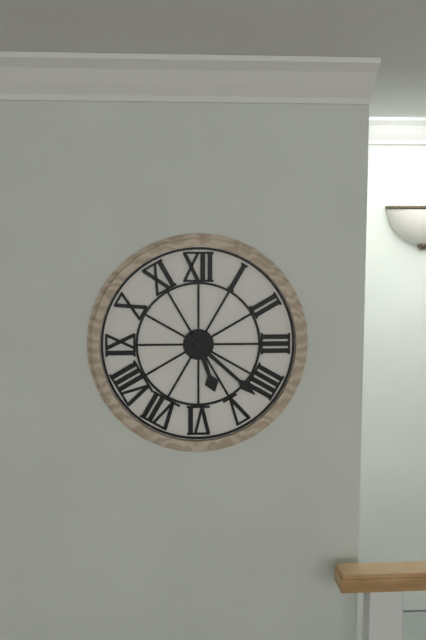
h=5 m=22
